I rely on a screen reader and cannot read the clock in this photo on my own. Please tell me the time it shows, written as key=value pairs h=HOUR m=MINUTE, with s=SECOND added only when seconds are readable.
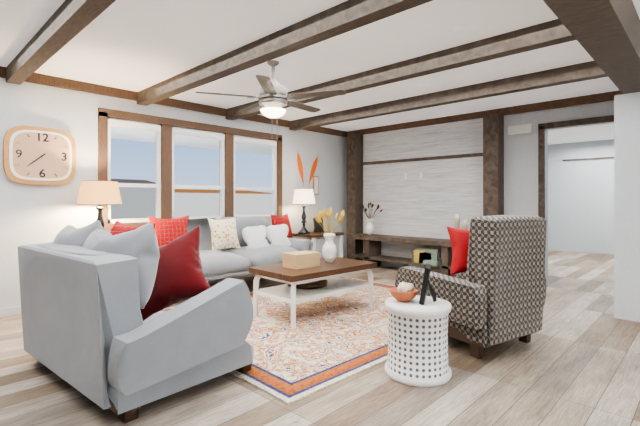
h=7 m=38
